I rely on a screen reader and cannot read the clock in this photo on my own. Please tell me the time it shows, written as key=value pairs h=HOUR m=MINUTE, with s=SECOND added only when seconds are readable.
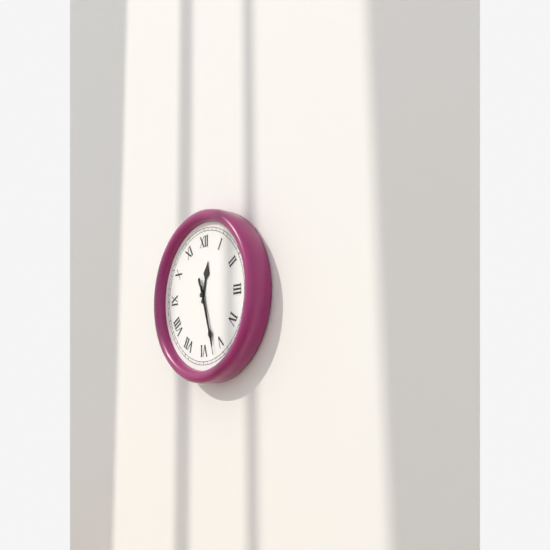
h=12 m=27 s=27
